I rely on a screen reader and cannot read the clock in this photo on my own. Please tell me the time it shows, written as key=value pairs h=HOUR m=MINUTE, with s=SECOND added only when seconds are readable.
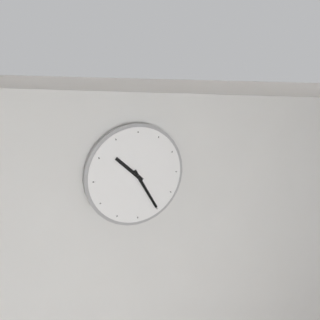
h=10 m=25
